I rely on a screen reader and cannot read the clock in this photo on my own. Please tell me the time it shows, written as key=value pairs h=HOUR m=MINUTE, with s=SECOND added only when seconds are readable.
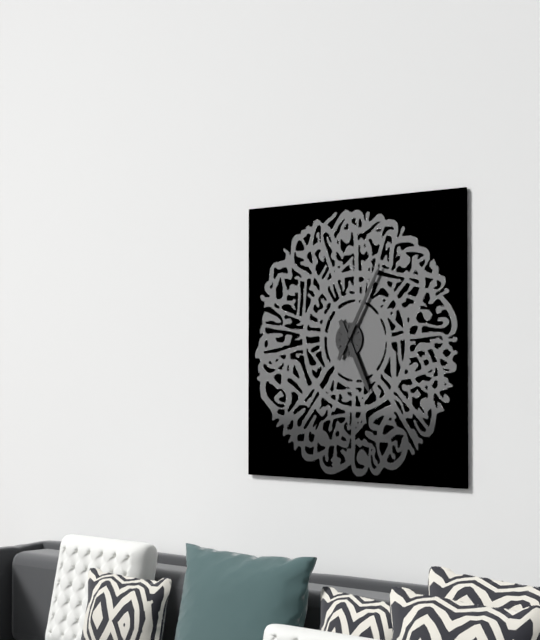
h=5 m=5
